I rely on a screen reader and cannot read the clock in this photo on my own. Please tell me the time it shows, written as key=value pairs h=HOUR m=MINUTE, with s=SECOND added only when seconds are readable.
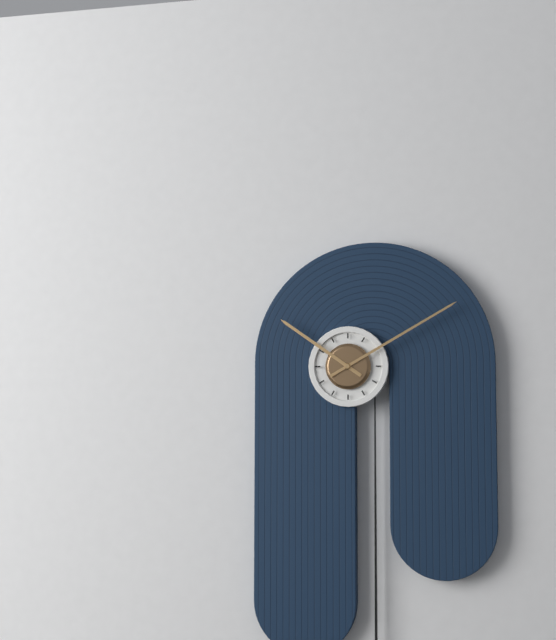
h=10 m=10
